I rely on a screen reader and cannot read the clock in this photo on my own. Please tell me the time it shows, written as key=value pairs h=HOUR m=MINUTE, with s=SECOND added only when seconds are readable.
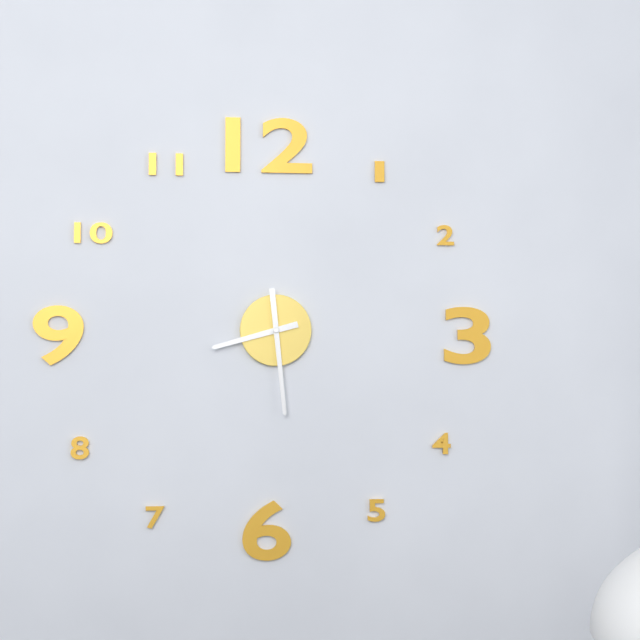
h=8 m=29
